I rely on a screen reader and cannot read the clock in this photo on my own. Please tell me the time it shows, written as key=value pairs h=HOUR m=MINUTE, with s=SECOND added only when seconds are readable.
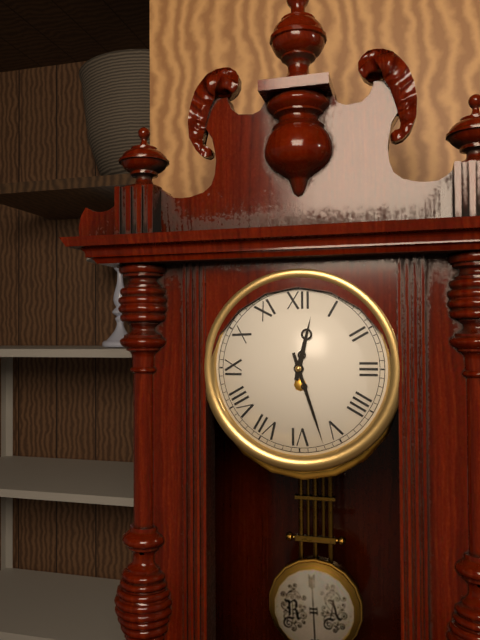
h=12 m=27
